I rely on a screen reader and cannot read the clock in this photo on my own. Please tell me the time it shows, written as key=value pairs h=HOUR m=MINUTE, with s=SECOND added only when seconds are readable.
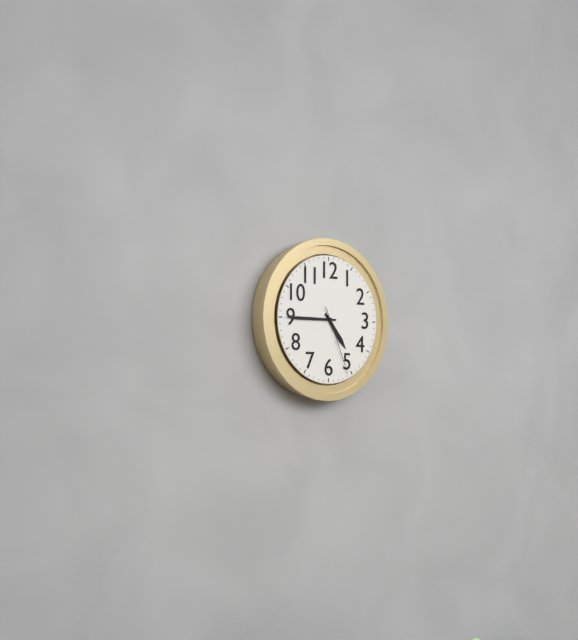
h=4 m=45 s=26
